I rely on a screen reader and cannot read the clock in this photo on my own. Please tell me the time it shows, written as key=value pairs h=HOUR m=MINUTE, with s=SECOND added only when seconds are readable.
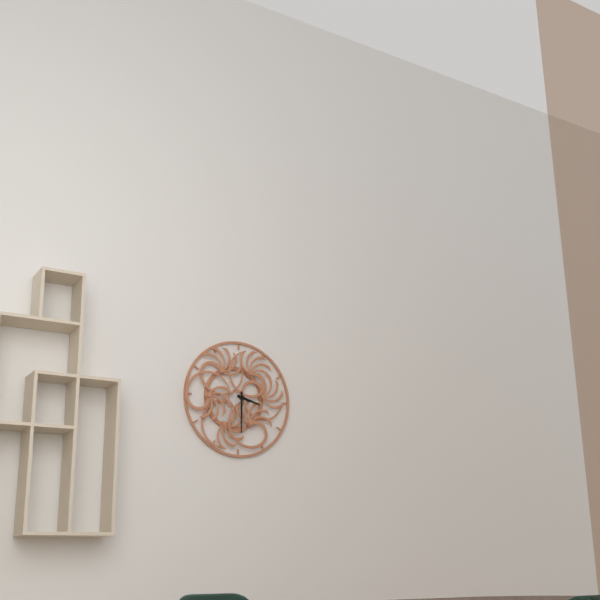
h=3 m=30
